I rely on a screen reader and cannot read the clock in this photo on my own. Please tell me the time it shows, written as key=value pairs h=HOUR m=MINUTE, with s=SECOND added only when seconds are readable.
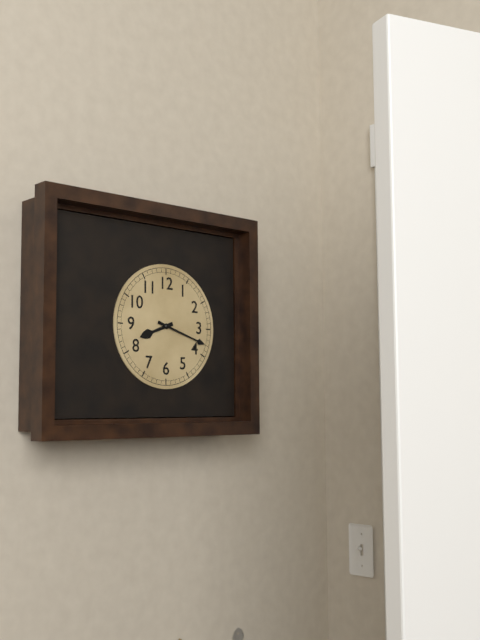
h=8 m=18
